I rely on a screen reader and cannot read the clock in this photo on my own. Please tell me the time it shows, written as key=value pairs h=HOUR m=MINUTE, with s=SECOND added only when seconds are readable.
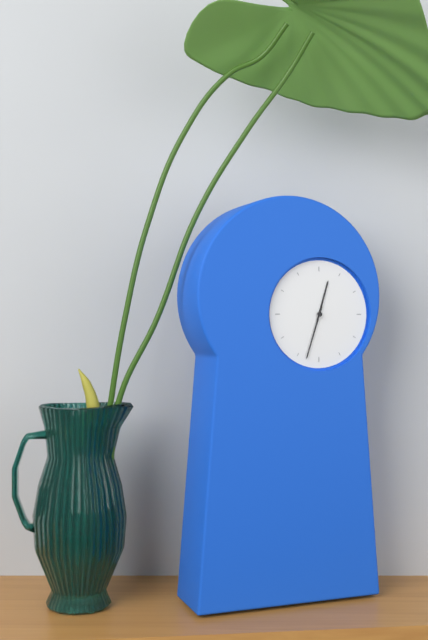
h=12 m=33
